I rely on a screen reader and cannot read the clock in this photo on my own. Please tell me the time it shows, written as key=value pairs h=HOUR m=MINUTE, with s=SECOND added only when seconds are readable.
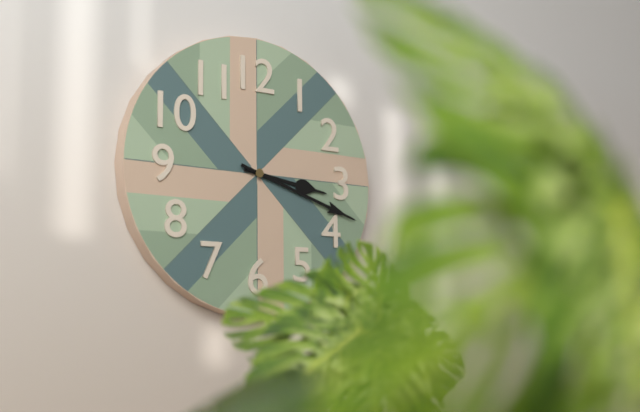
h=3 m=18
